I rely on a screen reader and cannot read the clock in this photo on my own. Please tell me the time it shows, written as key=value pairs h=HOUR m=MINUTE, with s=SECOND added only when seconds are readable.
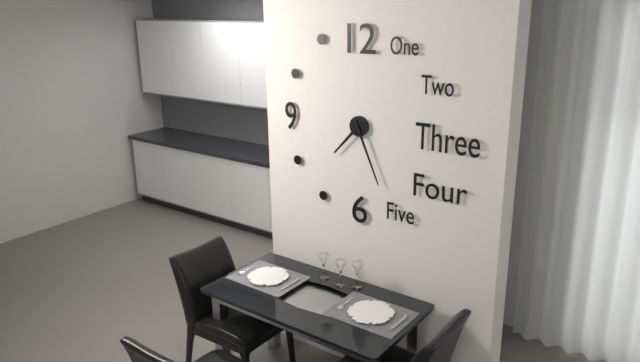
h=7 m=26
